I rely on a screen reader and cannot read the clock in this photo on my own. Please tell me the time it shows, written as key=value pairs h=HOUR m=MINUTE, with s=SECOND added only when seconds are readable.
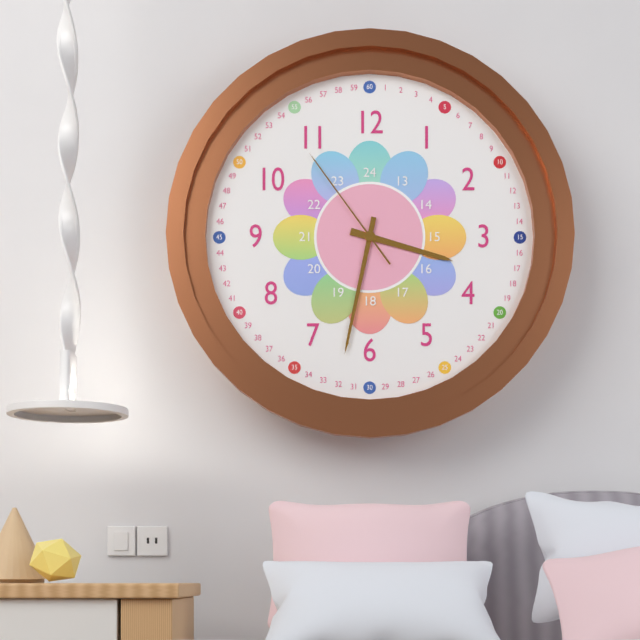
h=3 m=32 s=54
